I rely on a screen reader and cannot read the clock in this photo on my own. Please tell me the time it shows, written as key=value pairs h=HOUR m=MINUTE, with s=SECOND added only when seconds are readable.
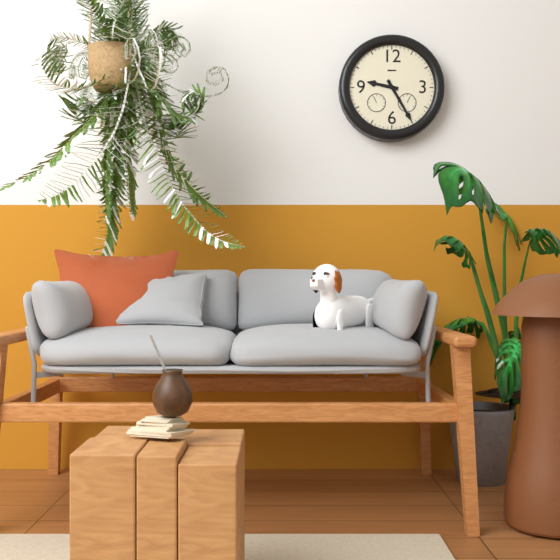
h=9 m=25
